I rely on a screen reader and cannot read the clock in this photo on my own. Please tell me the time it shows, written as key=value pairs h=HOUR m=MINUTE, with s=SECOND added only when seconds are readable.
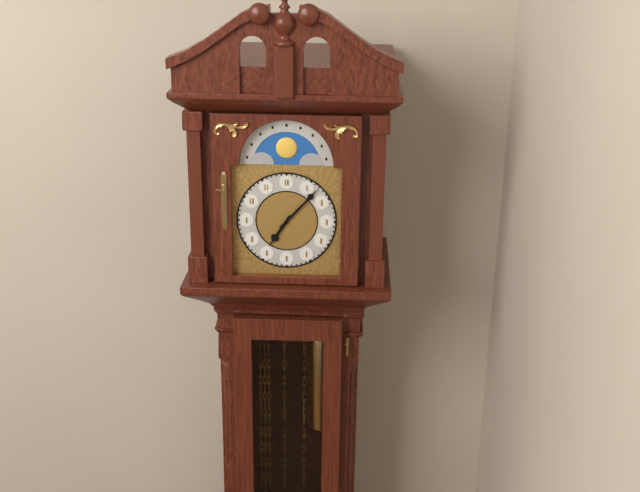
h=7 m=7
